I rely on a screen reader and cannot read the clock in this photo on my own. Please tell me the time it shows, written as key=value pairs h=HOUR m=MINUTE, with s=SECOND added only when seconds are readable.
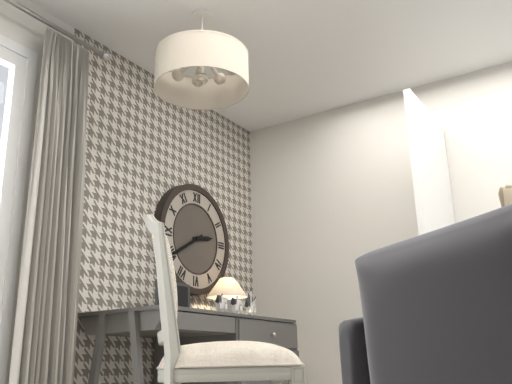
h=2 m=40
